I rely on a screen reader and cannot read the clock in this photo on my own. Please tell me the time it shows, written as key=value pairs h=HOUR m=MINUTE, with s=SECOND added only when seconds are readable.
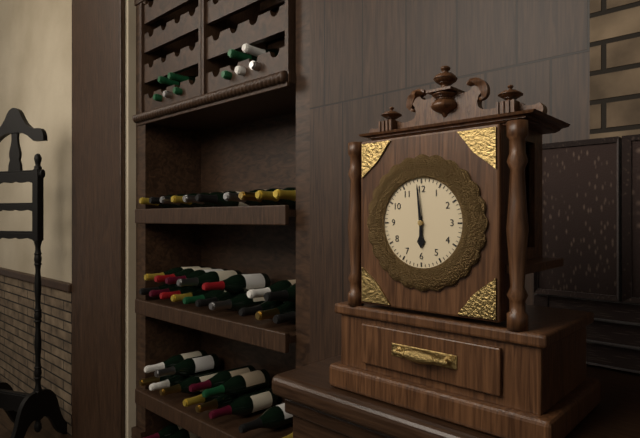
h=5 m=59
